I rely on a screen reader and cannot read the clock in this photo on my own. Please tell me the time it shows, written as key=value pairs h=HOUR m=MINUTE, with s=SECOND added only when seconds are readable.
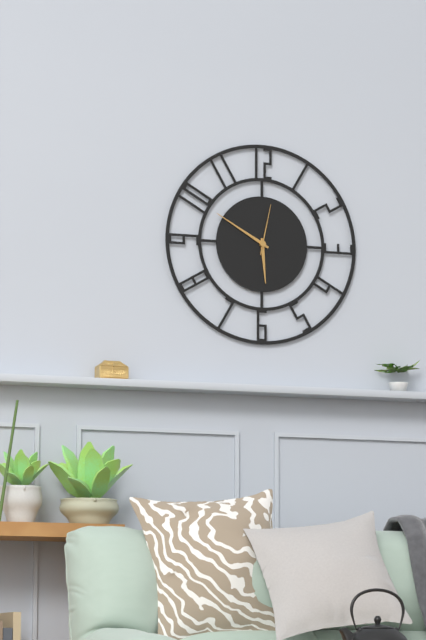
h=5 m=50 s=2
